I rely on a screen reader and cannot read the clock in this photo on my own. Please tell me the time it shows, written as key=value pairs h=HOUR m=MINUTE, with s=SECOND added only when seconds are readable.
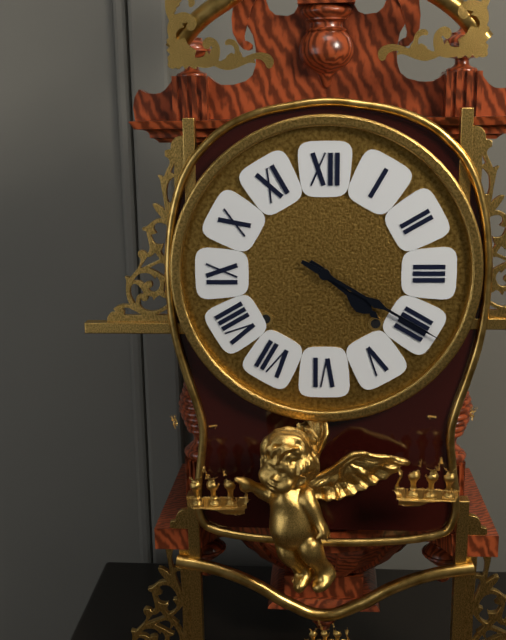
h=4 m=20
